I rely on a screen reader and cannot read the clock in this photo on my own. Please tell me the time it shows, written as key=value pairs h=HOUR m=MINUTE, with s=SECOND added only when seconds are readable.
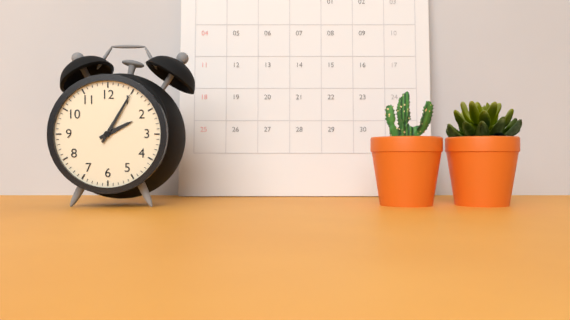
h=2 m=5
